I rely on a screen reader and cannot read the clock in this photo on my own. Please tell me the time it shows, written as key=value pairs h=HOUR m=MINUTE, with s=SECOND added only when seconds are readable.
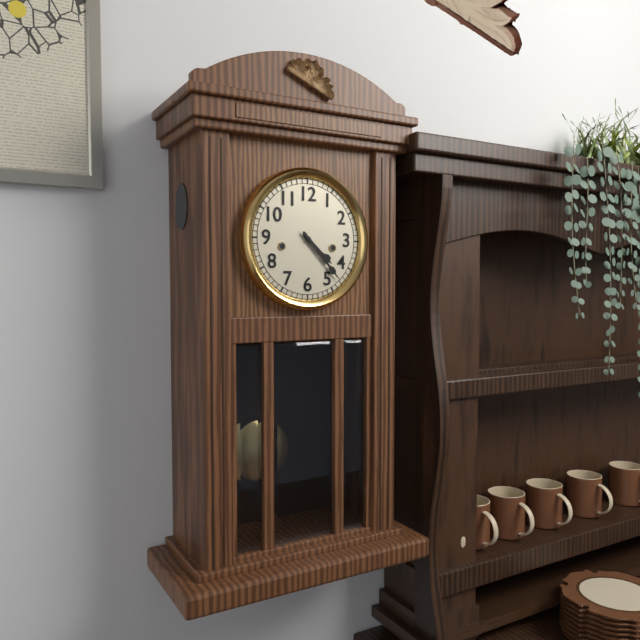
h=4 m=23
